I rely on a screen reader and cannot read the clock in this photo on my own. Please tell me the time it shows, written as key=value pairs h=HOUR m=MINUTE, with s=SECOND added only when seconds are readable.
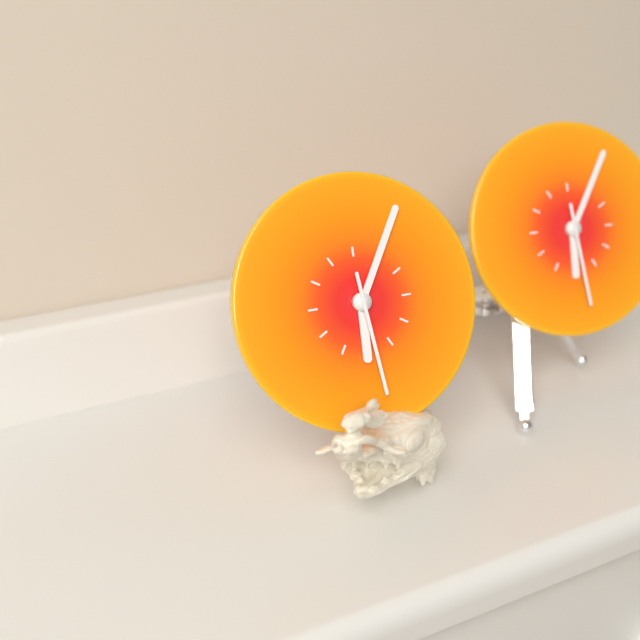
h=6 m=5 s=29
